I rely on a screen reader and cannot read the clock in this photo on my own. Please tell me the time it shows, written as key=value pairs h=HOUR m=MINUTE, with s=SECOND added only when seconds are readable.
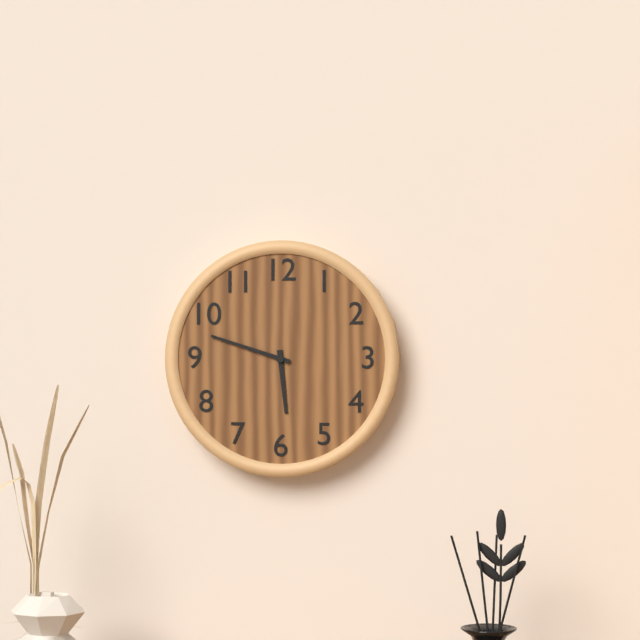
h=5 m=48
